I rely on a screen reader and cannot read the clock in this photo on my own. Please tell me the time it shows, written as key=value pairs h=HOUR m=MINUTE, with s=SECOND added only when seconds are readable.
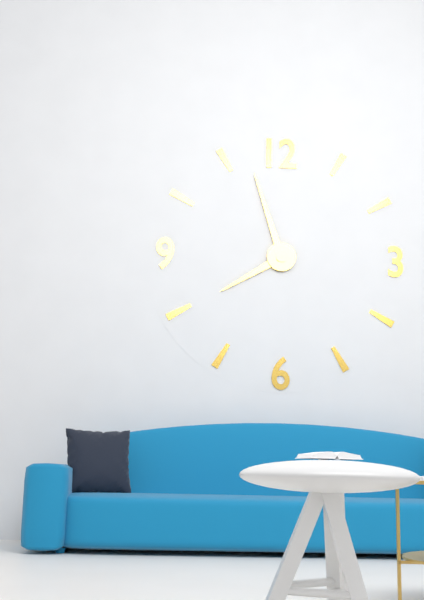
h=7 m=57
